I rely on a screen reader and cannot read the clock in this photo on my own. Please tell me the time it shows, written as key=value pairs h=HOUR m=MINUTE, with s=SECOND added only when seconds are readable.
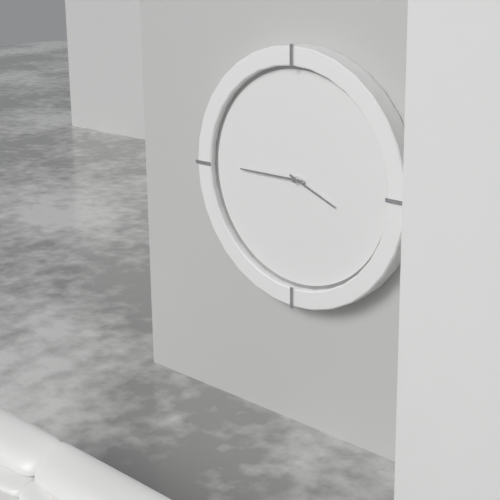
h=3 m=45
